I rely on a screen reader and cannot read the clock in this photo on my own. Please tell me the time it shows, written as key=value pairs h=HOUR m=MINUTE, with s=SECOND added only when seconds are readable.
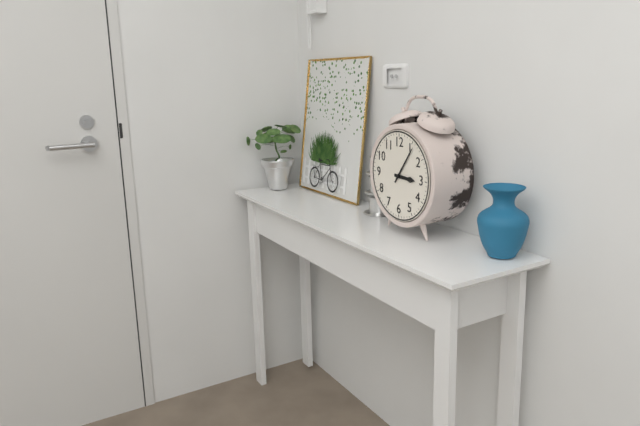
h=3 m=6
